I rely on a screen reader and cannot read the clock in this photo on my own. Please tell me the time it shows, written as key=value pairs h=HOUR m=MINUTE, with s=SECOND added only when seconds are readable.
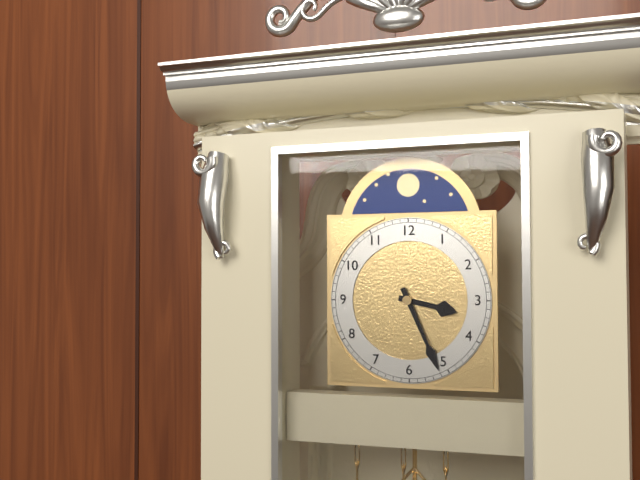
h=3 m=26
